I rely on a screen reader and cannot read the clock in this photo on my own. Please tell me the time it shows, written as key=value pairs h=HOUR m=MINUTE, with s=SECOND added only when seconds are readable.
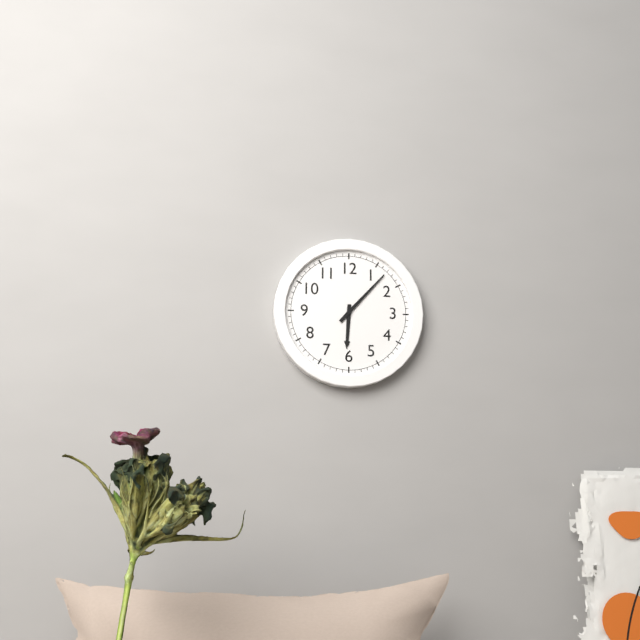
h=6 m=7
